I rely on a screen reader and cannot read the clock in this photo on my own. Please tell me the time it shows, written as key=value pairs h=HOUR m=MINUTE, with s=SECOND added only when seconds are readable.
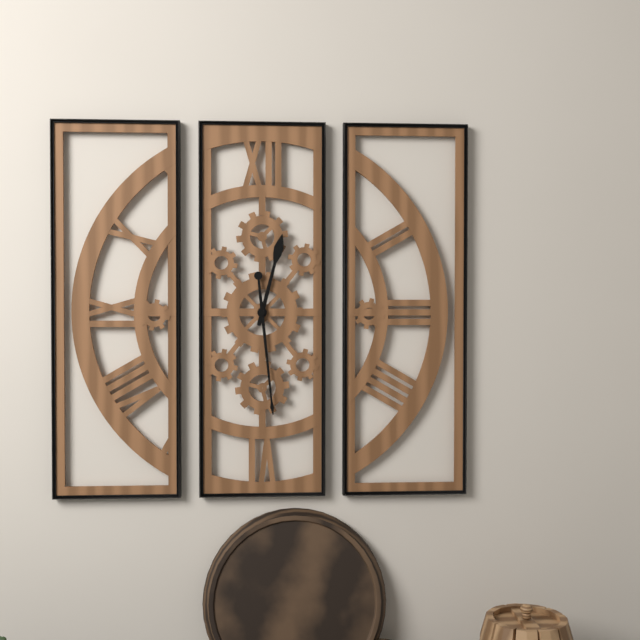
h=12 m=29
